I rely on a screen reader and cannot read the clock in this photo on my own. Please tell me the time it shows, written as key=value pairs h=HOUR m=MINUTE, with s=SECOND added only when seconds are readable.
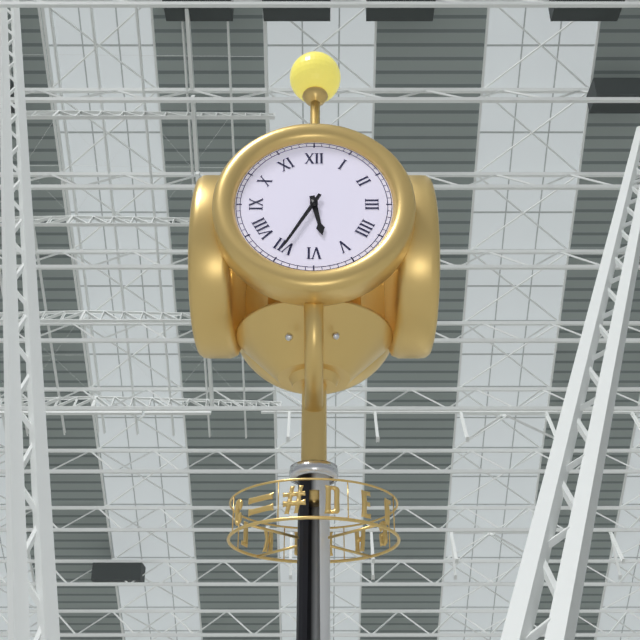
h=5 m=35
